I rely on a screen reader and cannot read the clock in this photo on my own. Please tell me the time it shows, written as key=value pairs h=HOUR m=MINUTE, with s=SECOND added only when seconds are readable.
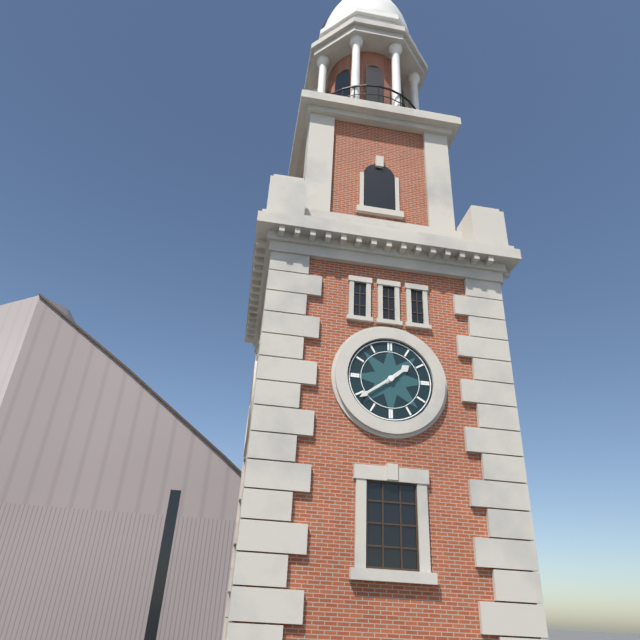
h=1 m=39
